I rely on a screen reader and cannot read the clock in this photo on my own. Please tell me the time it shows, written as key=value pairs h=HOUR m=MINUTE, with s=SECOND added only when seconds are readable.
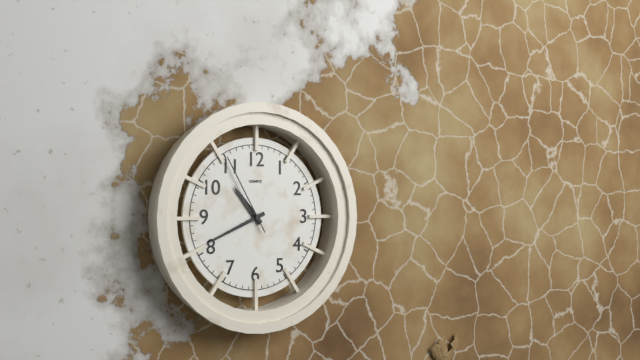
h=10 m=41 s=55
